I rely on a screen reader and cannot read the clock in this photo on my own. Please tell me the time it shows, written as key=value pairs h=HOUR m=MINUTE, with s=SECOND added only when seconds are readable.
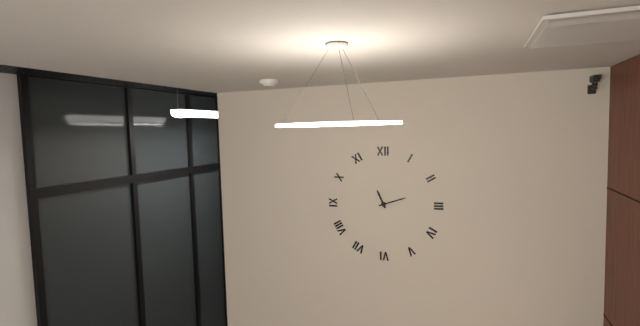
h=11 m=12
